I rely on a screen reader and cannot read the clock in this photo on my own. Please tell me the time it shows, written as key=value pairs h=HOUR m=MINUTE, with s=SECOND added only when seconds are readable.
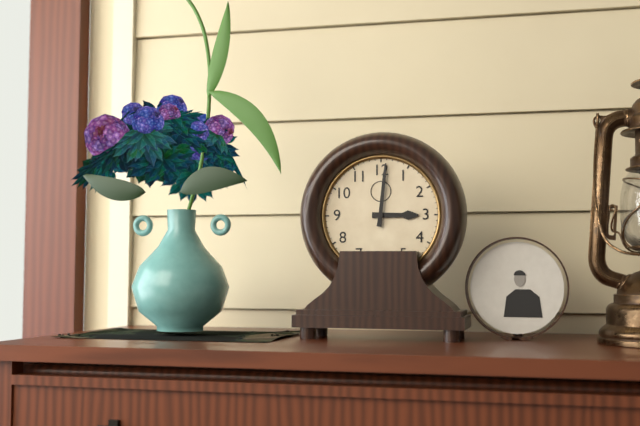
h=3 m=1
